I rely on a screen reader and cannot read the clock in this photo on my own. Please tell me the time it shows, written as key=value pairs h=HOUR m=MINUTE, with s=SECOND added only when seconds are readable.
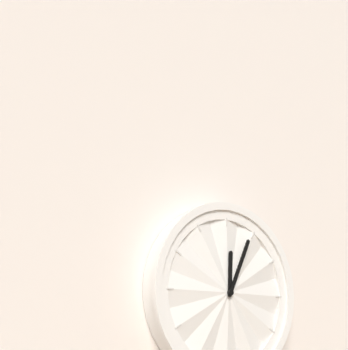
h=12 m=4
